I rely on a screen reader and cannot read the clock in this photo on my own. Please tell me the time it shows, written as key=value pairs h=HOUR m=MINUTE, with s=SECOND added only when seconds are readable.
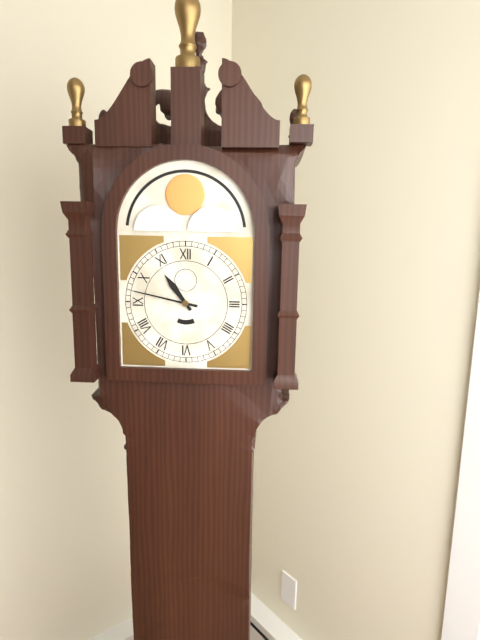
h=10 m=47
